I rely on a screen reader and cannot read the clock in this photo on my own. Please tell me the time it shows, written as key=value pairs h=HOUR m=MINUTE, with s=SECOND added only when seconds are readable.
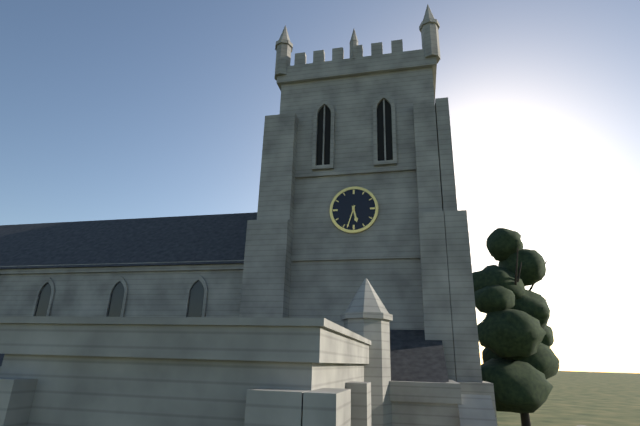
h=5 m=33
